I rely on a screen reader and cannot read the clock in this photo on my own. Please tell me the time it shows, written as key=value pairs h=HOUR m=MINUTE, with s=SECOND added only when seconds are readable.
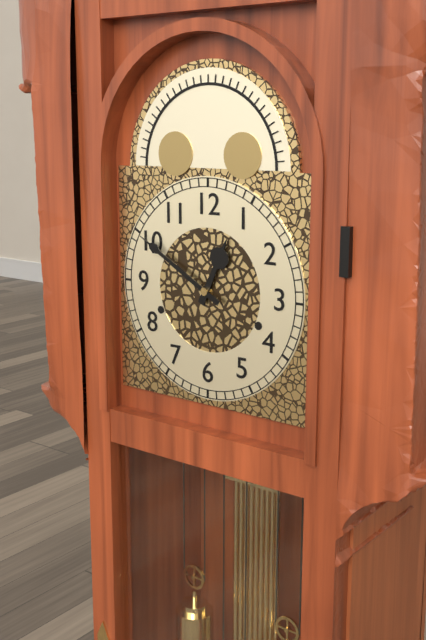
h=12 m=50
